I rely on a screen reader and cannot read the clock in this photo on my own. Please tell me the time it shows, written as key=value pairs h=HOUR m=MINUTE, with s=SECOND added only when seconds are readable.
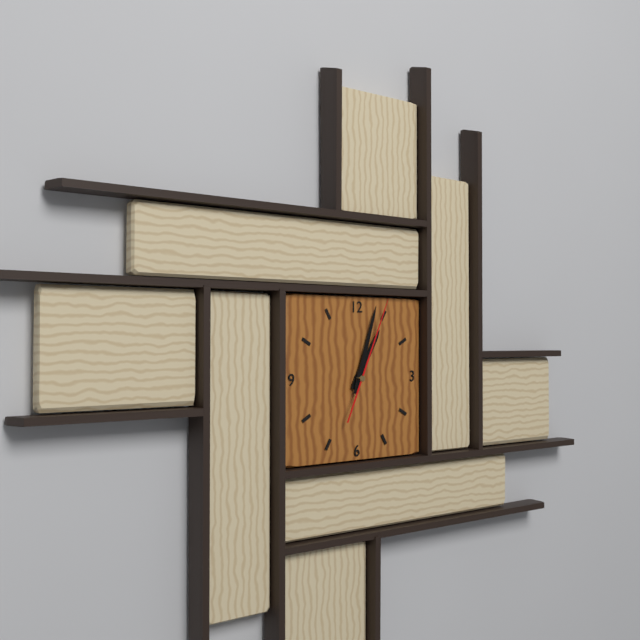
h=1 m=3 s=4
